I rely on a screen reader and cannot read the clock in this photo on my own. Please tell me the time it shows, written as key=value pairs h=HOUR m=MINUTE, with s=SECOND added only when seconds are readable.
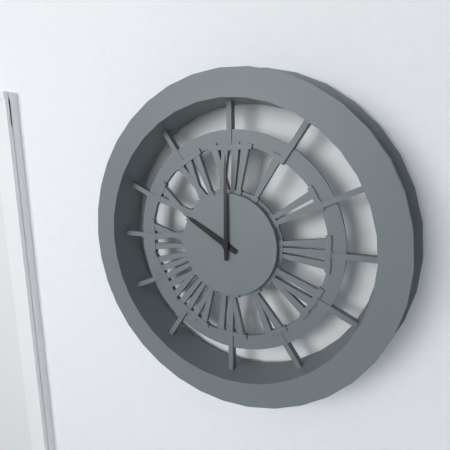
h=10 m=0
